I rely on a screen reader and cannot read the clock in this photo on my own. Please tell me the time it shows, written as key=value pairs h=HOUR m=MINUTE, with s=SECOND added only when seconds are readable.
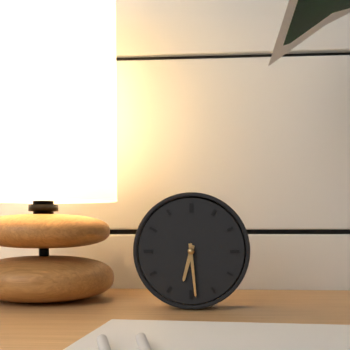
h=6 m=29
